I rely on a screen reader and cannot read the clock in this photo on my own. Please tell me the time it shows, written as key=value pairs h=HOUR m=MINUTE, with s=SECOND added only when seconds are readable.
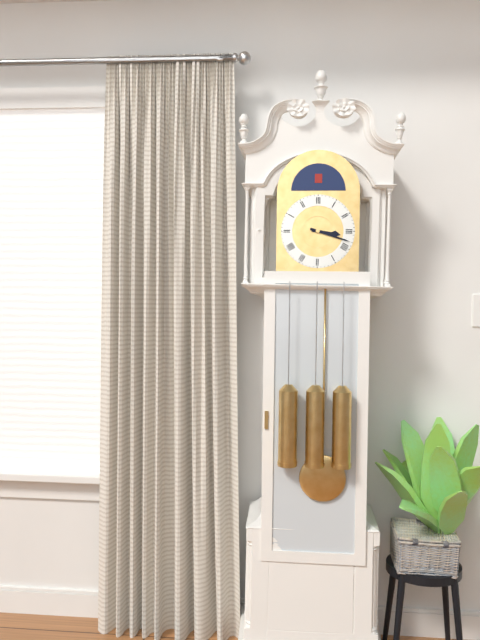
h=3 m=18
